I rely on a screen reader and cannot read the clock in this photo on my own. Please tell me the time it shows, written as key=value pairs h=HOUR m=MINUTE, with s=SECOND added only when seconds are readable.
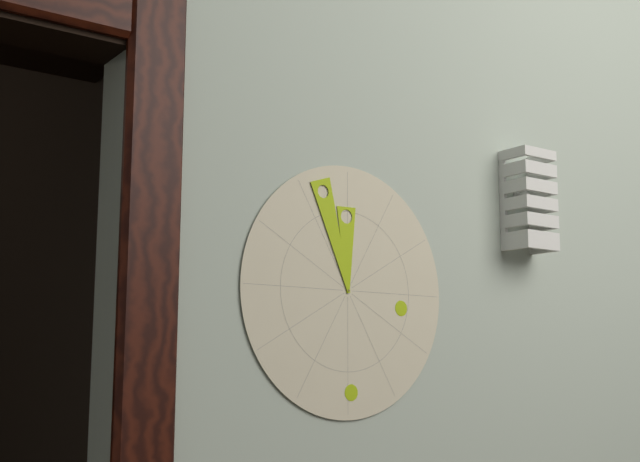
h=11 m=57
